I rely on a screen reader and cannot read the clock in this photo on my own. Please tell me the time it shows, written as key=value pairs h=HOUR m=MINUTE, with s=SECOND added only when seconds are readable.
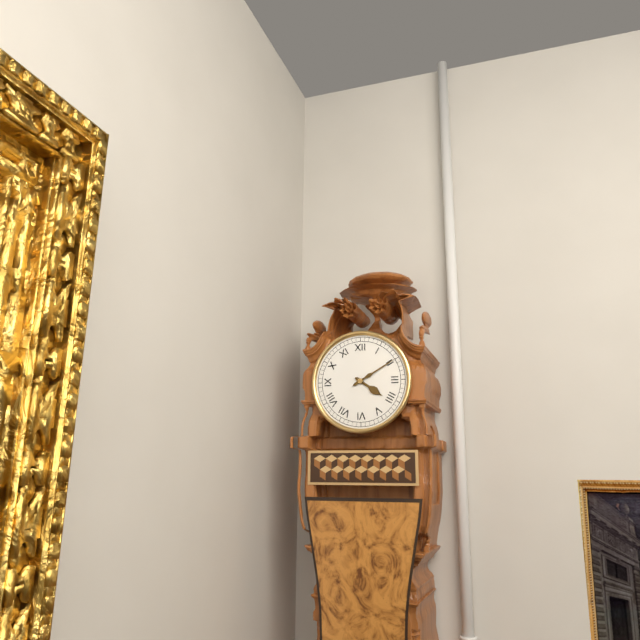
h=4 m=10
